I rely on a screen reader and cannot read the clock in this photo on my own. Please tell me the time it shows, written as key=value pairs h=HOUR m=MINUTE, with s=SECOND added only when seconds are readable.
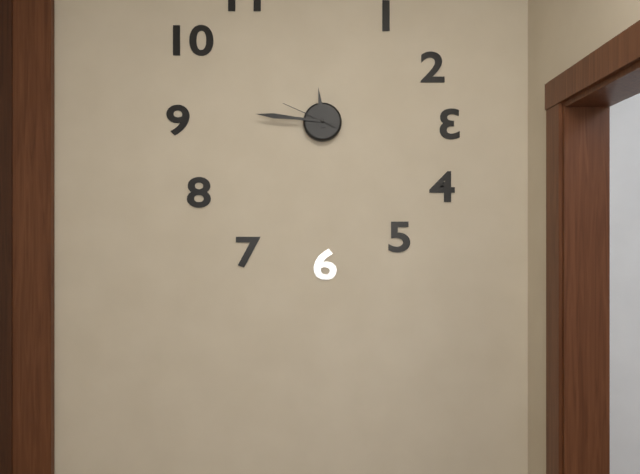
h=11 m=46 s=49
